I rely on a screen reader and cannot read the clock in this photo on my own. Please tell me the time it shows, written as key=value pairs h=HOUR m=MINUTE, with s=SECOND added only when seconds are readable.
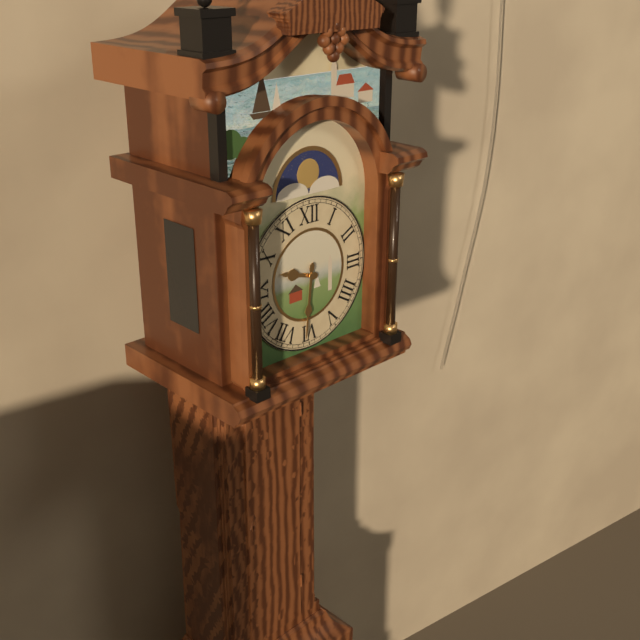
h=9 m=31
